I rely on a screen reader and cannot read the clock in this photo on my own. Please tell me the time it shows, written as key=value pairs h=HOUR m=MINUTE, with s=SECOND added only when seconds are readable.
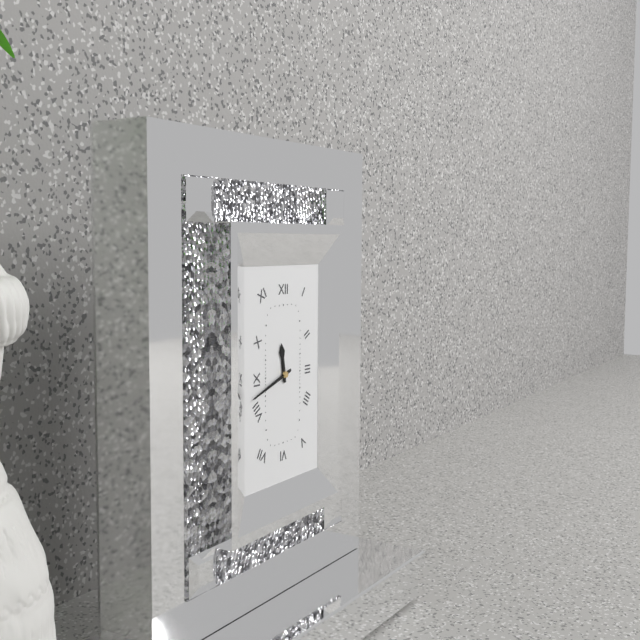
h=11 m=42
